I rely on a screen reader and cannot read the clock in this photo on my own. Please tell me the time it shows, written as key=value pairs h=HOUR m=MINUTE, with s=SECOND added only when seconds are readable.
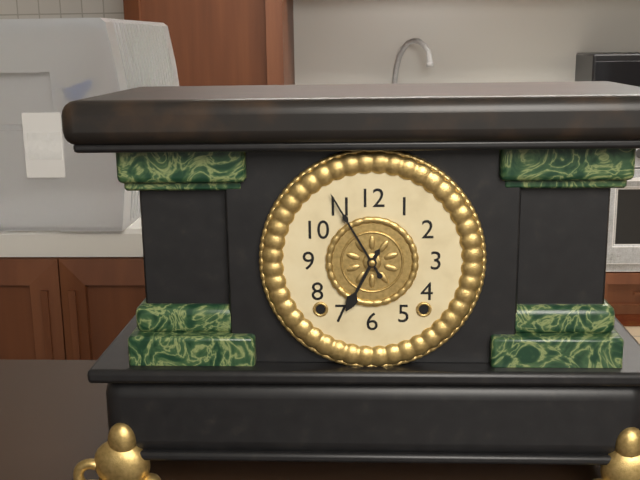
h=6 m=55
